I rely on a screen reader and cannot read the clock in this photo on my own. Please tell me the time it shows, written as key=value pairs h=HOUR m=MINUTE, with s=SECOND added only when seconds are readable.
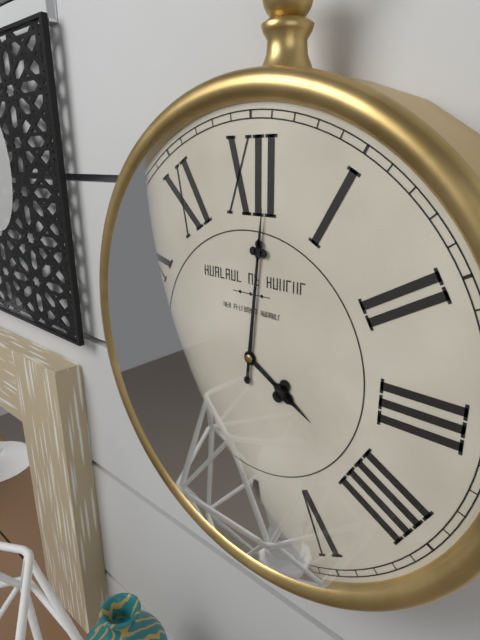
h=4 m=1
